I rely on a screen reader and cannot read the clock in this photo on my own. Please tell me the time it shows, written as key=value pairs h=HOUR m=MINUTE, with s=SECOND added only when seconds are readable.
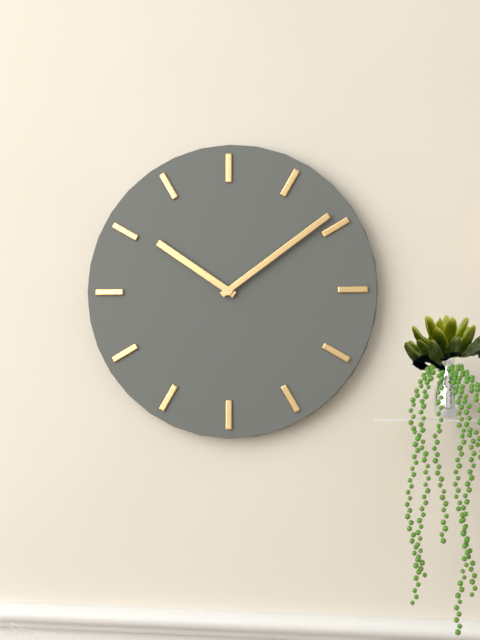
h=10 m=9
